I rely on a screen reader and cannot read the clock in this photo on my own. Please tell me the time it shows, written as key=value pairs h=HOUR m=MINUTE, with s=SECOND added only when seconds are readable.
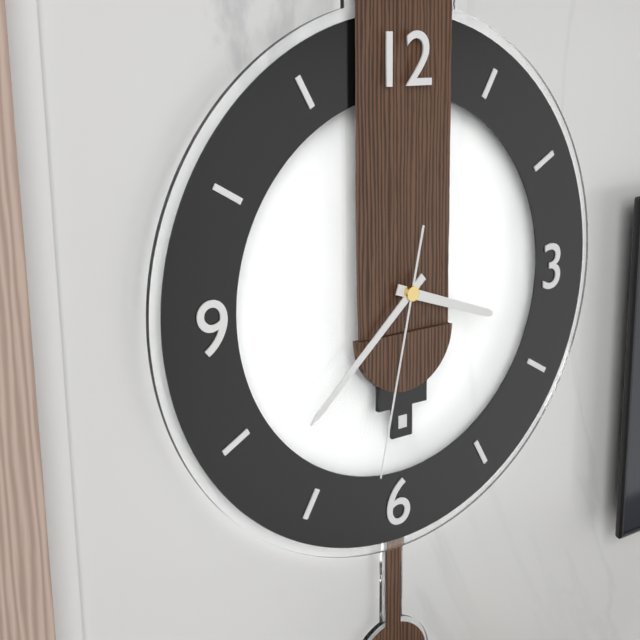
h=3 m=38 s=32
